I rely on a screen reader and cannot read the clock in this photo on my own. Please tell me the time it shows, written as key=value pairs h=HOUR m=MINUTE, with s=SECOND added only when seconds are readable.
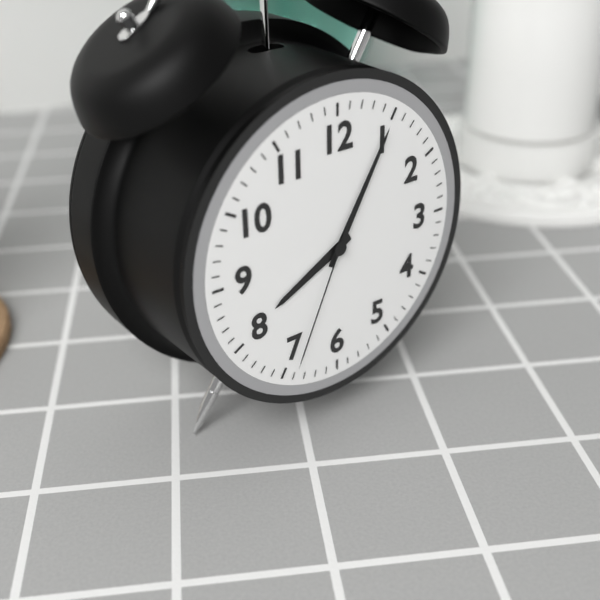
h=8 m=5 s=34
